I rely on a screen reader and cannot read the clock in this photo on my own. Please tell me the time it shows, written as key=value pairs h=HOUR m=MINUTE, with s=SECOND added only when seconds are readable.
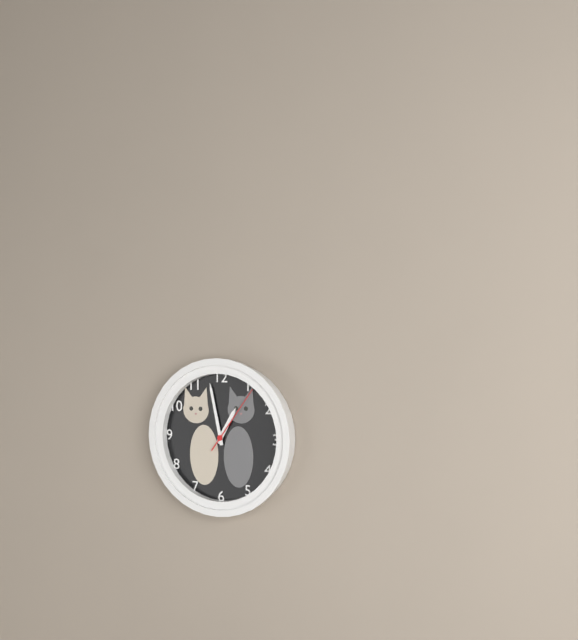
h=12 m=58 s=6
